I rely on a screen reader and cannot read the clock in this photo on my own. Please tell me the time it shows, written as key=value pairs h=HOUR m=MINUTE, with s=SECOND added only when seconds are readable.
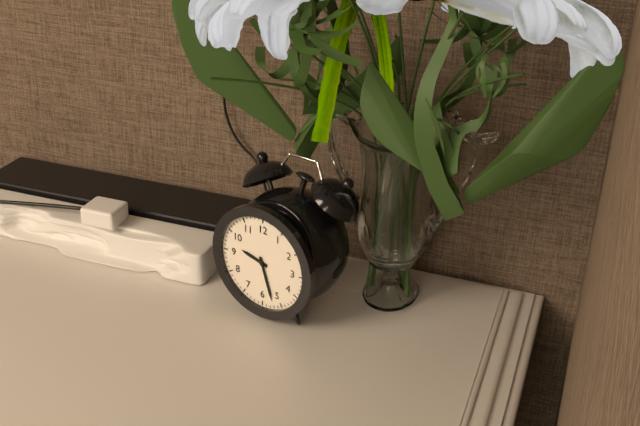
h=9 m=27
